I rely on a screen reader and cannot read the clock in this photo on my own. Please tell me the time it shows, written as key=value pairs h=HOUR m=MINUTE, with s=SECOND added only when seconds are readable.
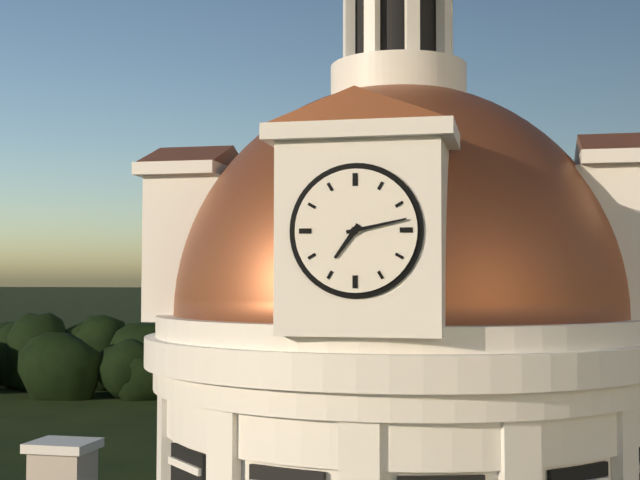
h=7 m=13
